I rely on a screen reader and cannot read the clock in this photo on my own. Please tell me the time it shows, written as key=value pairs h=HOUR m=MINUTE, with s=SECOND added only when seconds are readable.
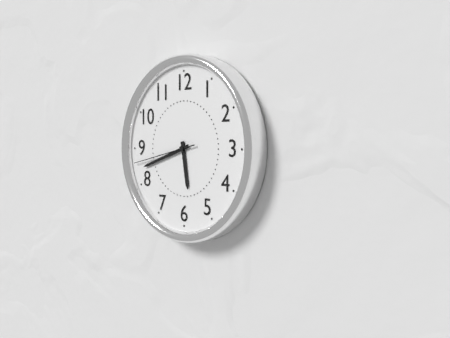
h=5 m=42 s=43
